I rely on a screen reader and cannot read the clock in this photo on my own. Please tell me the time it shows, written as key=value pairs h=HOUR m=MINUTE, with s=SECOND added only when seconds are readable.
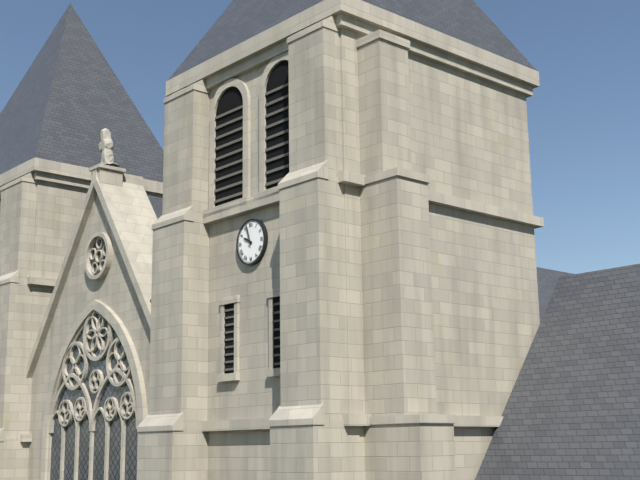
h=9 m=57
